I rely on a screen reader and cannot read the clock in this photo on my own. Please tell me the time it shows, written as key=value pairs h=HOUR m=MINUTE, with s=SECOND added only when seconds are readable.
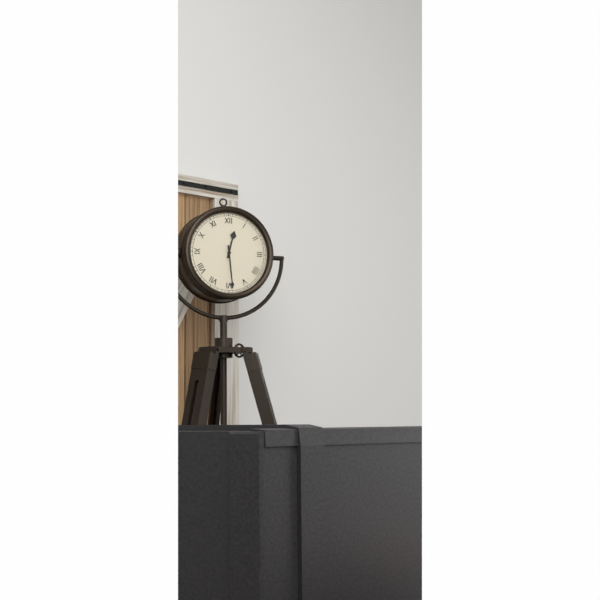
h=12 m=29
